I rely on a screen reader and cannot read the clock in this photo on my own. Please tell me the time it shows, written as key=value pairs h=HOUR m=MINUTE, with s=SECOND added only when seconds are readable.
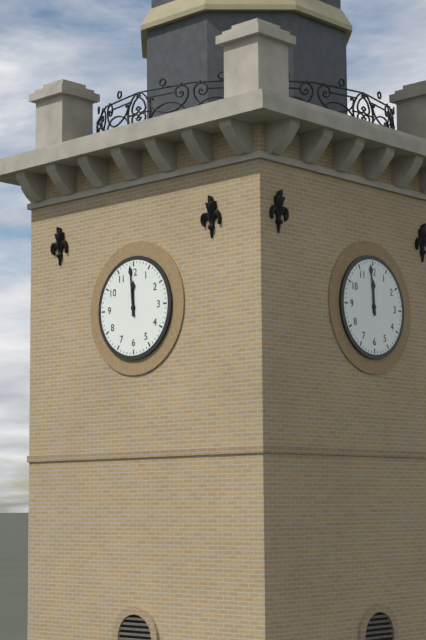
h=11 m=59
